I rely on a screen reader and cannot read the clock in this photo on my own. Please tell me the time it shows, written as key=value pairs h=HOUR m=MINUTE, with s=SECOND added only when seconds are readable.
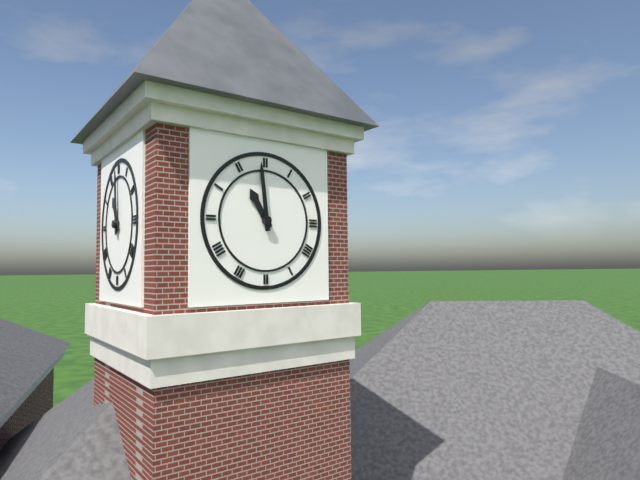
h=10 m=59
